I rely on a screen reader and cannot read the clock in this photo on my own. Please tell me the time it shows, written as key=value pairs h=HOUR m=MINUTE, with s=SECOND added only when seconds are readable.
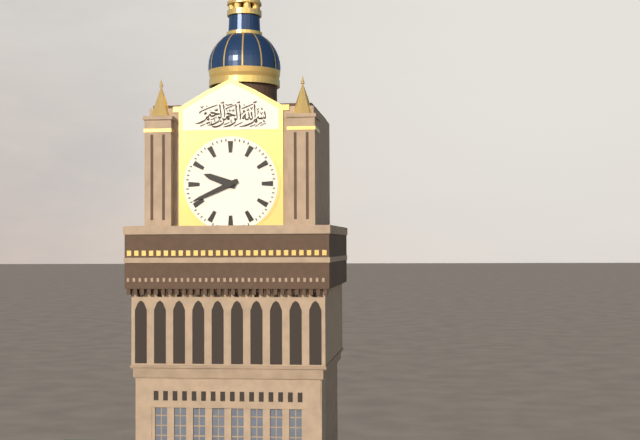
h=9 m=41
